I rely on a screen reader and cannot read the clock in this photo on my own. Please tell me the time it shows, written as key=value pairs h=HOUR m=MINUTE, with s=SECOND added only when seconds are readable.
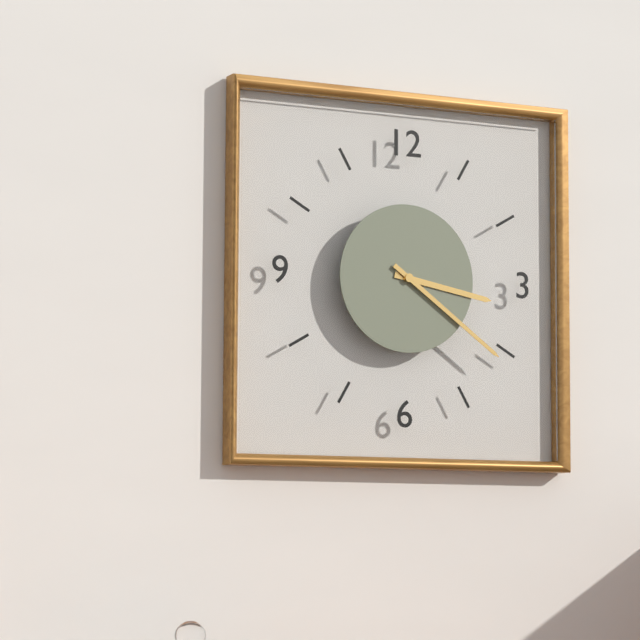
h=3 m=21
